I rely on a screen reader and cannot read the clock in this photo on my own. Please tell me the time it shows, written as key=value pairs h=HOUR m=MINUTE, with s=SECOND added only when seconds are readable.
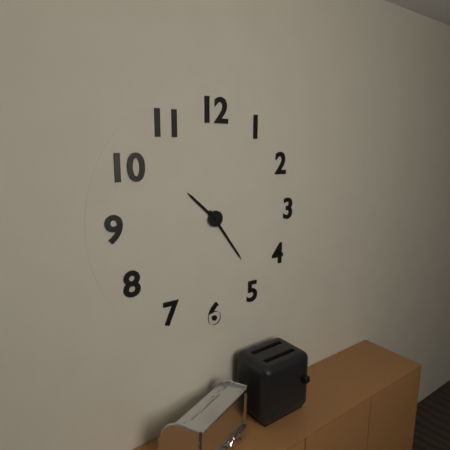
h=10 m=24
